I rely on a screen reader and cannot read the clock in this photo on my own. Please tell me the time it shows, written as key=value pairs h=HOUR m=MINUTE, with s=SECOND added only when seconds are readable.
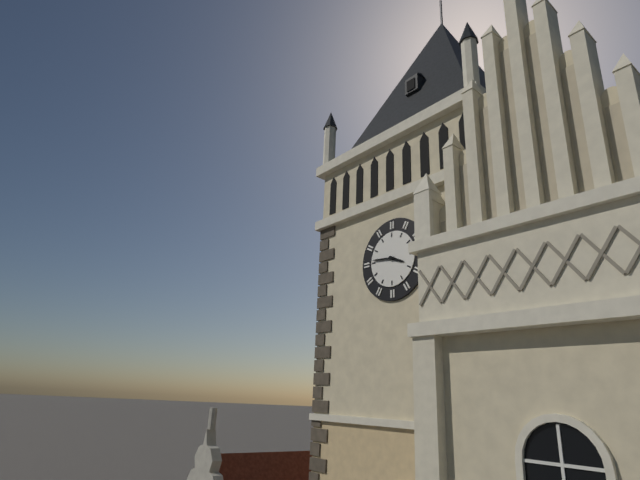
h=3 m=46
